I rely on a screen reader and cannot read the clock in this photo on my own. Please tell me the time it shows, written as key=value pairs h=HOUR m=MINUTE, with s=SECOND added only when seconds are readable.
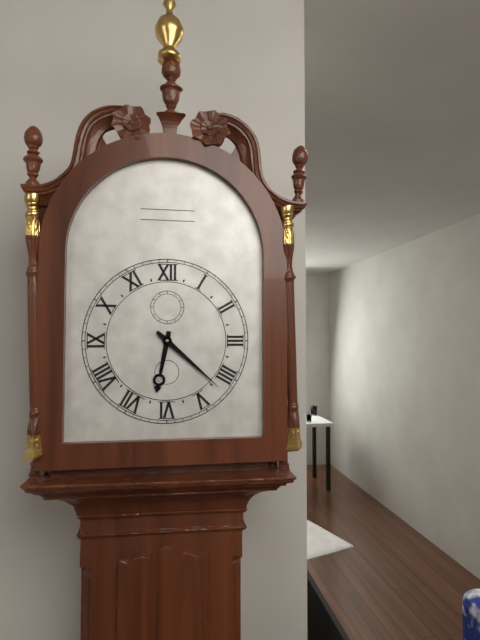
h=6 m=22
